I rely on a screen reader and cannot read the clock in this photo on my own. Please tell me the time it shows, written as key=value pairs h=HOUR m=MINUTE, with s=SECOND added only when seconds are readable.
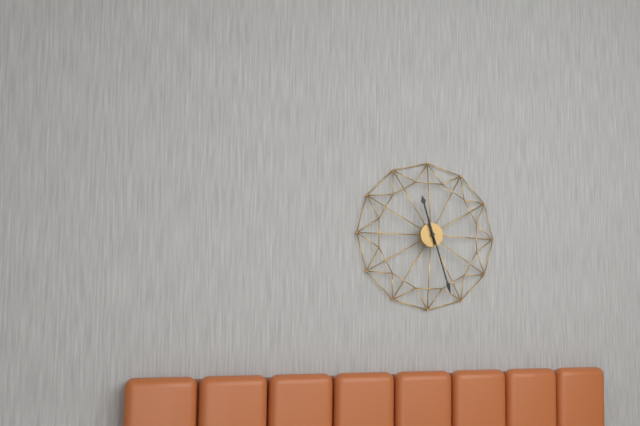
h=11 m=27
